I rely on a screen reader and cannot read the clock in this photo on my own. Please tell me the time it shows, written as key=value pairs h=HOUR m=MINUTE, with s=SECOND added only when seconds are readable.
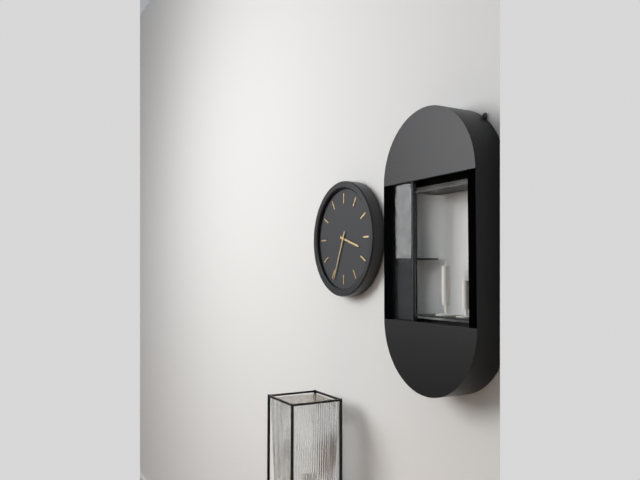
h=3 m=34
